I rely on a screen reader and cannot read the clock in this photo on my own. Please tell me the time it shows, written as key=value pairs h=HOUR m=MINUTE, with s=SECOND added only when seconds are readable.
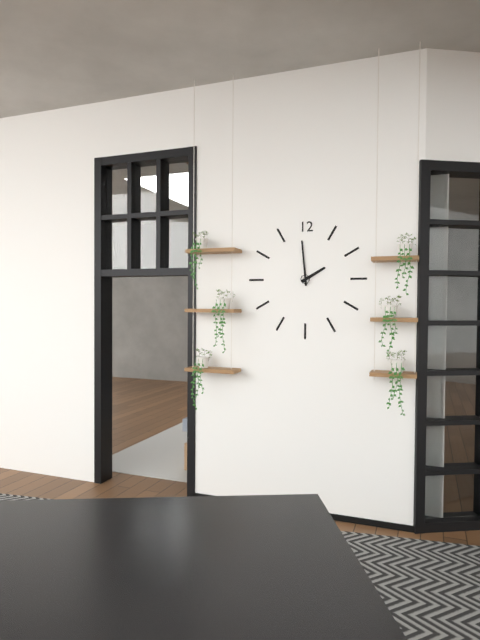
h=1 m=59
